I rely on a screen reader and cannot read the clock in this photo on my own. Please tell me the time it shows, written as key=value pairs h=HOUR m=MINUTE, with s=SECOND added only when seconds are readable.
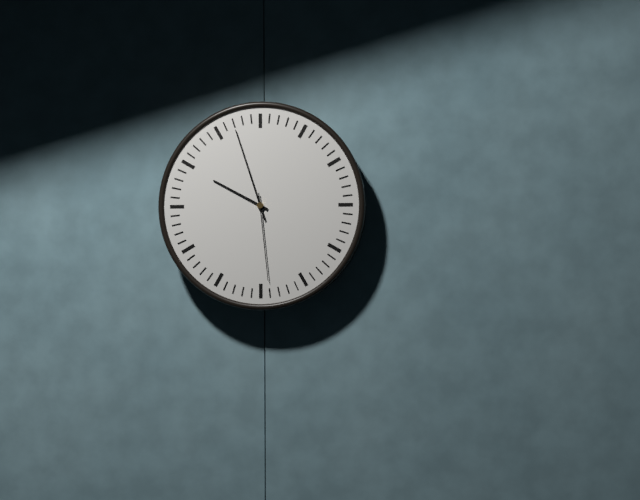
h=9 m=57 s=29
